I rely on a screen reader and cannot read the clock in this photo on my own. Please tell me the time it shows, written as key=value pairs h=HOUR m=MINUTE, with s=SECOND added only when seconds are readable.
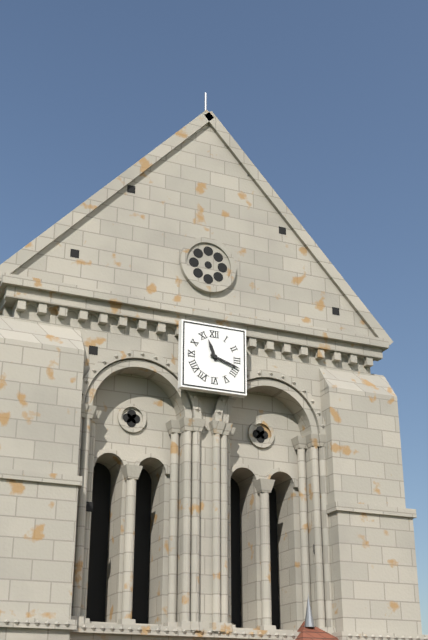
h=11 m=18
